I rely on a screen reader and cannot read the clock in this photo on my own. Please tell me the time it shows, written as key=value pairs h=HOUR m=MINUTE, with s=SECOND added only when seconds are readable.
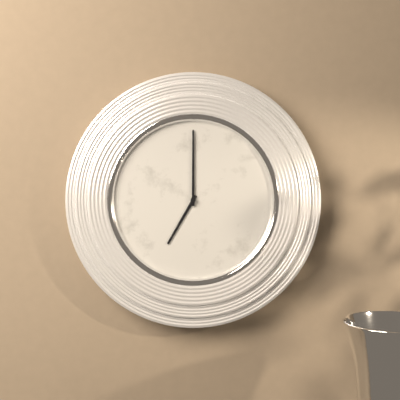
h=7 m=0
